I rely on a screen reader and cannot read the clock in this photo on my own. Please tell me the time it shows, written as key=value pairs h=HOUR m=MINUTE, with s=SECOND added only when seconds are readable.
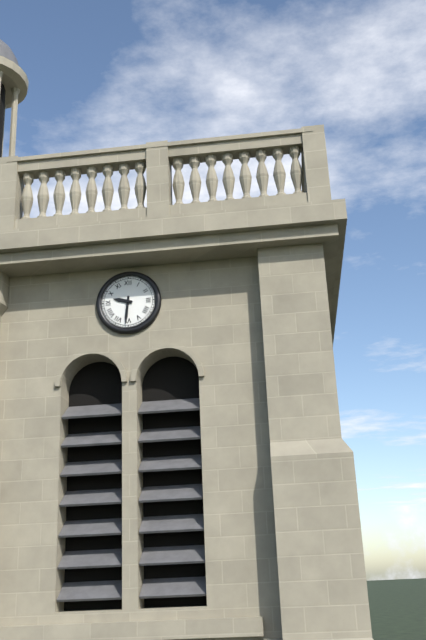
h=9 m=31
